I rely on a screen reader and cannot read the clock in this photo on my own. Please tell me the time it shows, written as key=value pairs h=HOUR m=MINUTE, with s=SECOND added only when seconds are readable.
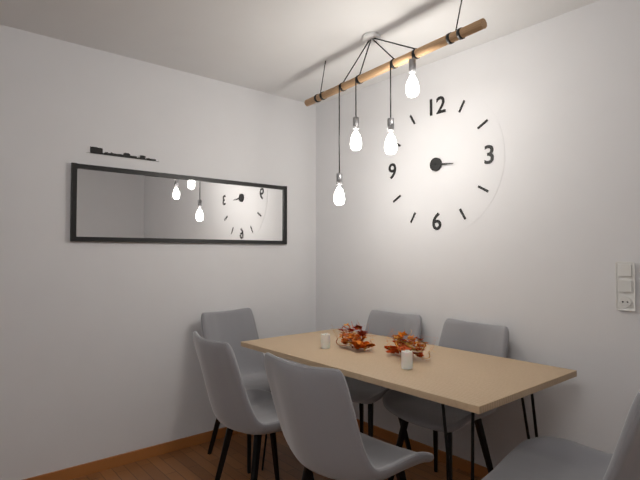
h=3 m=16
